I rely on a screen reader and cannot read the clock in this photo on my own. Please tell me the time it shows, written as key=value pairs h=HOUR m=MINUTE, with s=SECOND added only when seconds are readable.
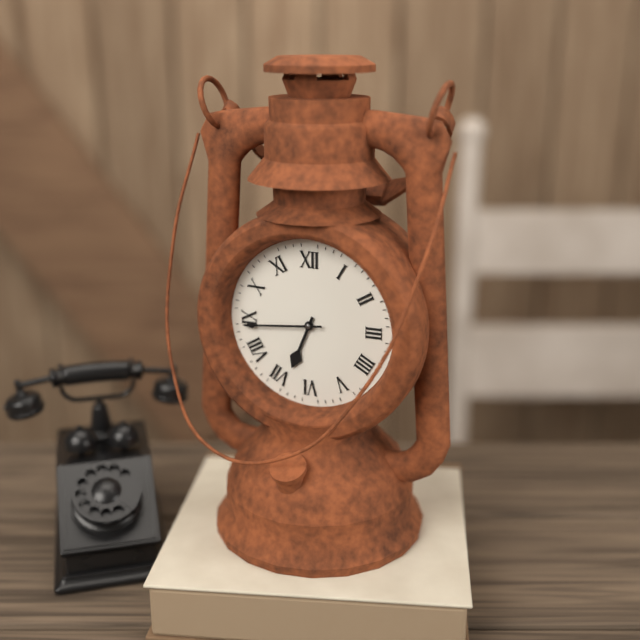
h=6 m=44
